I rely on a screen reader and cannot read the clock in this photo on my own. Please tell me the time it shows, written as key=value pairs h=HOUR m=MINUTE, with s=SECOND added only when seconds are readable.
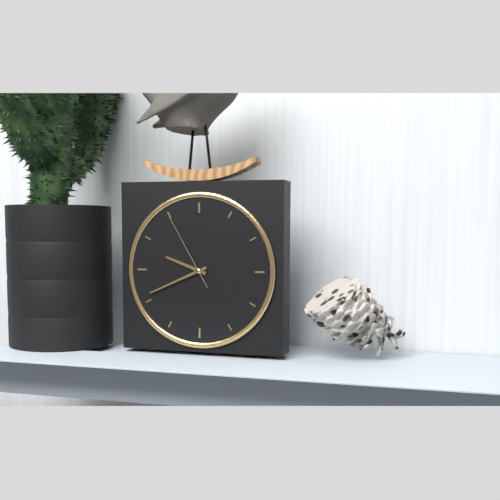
h=9 m=41 s=55
